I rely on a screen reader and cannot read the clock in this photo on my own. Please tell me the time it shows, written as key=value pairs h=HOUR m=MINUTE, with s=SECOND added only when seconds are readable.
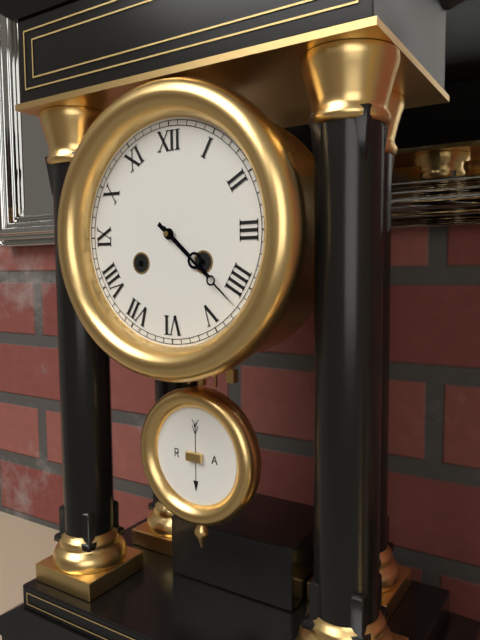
h=4 m=22
